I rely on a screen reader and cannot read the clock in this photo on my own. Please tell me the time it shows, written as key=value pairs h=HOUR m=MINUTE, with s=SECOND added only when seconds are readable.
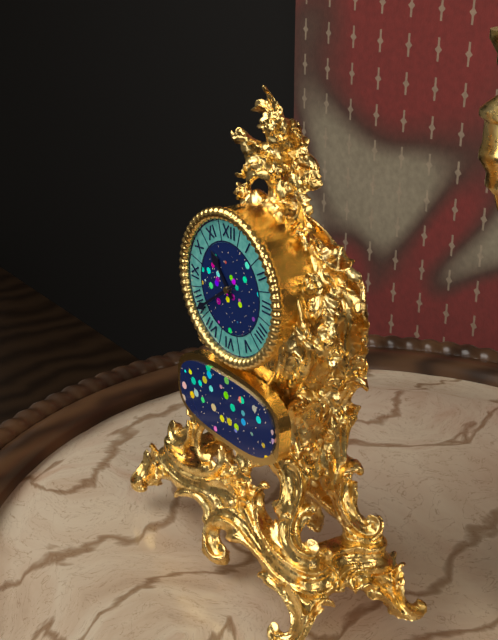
h=10 m=39
